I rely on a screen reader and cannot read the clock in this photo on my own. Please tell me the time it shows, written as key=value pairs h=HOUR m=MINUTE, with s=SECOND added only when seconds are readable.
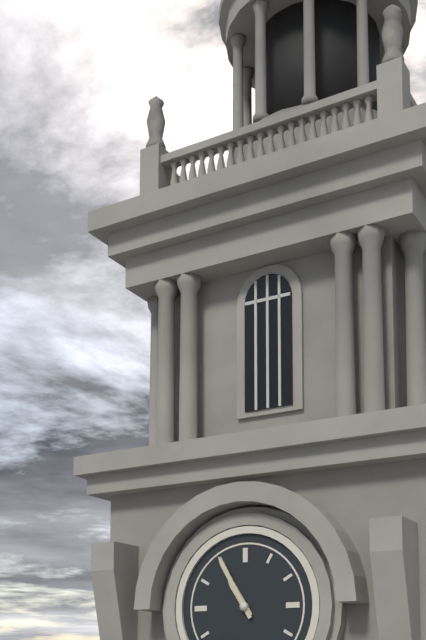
h=10 m=55
